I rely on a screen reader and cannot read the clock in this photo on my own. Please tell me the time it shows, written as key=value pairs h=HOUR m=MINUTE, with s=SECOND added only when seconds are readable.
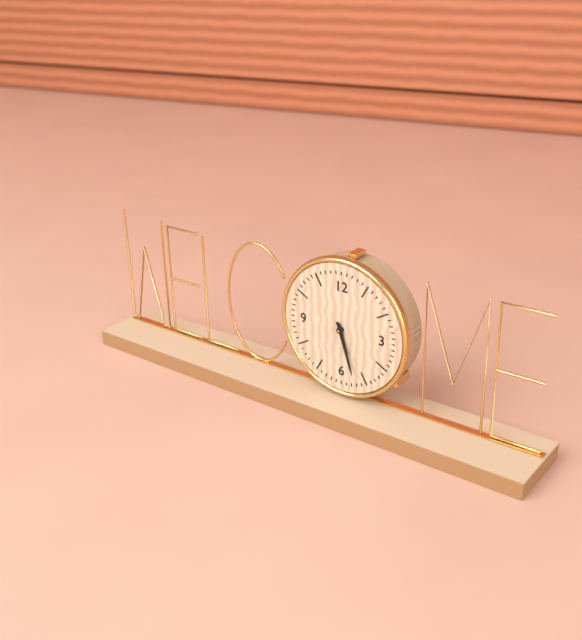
h=5 m=27
